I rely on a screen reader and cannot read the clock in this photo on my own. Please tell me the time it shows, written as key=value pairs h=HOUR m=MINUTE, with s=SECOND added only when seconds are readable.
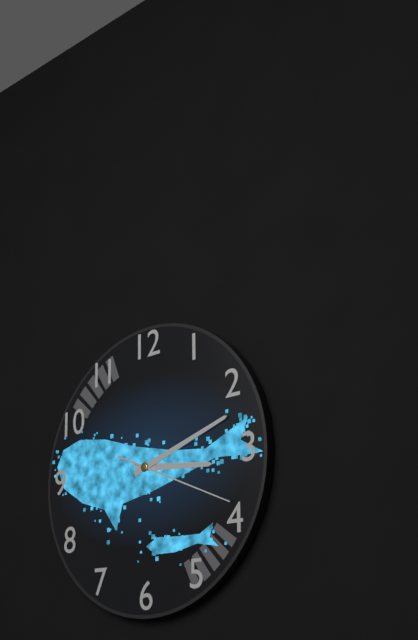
h=3 m=12 s=19
